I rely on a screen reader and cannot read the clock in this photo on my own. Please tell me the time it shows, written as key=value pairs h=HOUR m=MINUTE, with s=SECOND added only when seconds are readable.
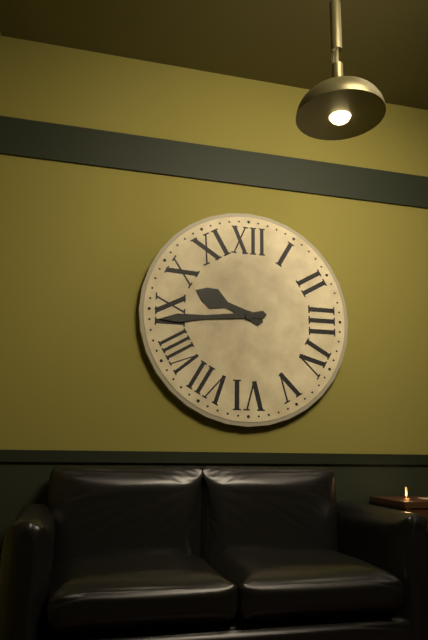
h=9 m=44
